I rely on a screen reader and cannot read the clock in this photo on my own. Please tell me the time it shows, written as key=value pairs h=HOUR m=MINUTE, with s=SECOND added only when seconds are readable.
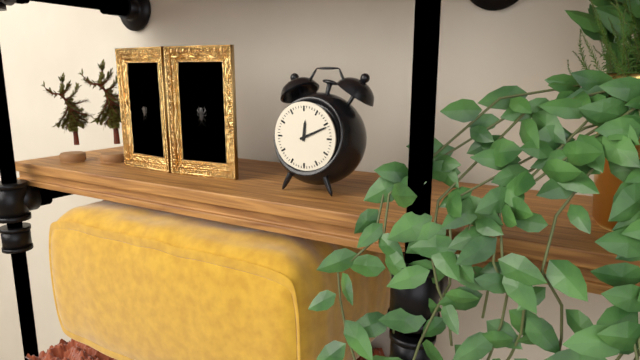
h=12 m=11
